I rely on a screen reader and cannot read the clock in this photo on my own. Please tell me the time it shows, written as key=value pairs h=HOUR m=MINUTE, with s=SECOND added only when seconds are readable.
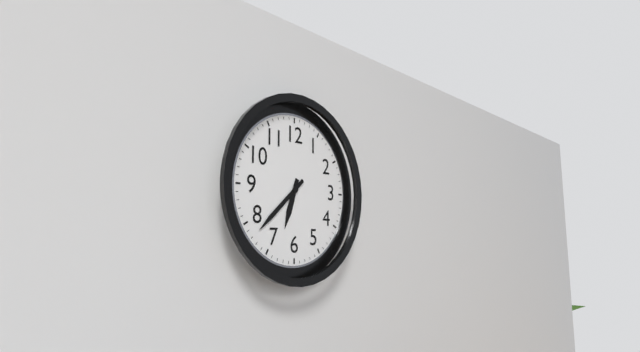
h=6 m=38
